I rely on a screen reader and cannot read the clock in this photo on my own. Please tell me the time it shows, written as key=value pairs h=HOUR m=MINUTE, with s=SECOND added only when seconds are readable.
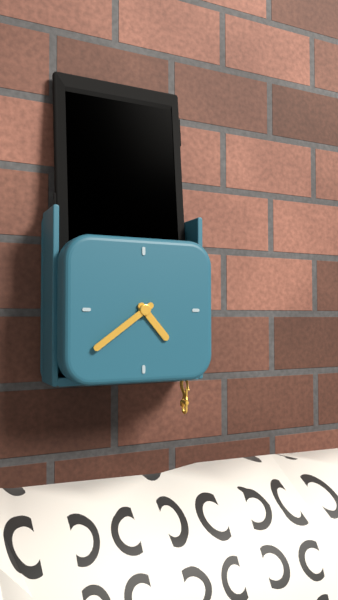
h=4 m=39
